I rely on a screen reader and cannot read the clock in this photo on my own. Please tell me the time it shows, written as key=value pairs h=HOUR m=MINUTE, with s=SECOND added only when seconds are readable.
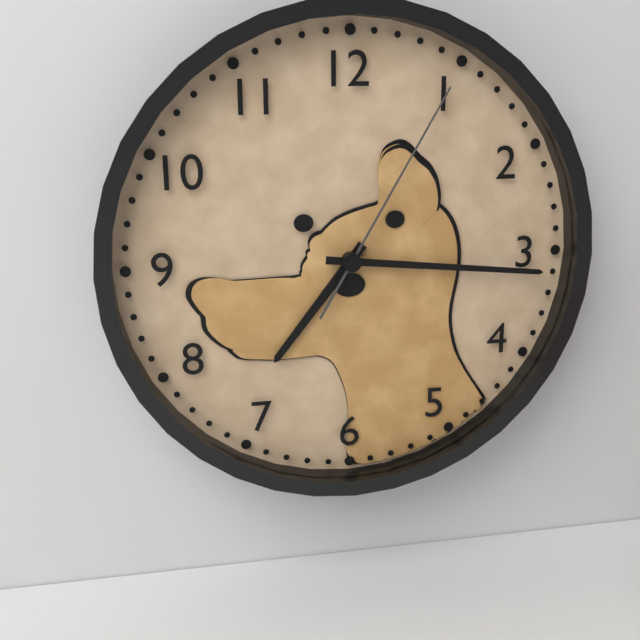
h=7 m=16 s=5
